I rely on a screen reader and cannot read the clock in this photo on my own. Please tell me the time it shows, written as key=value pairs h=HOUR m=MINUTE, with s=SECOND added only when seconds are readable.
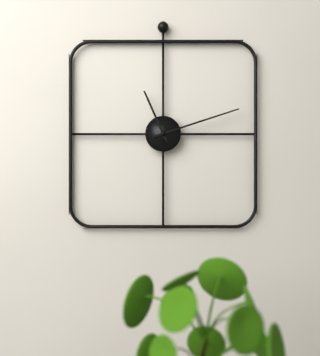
h=11 m=12
